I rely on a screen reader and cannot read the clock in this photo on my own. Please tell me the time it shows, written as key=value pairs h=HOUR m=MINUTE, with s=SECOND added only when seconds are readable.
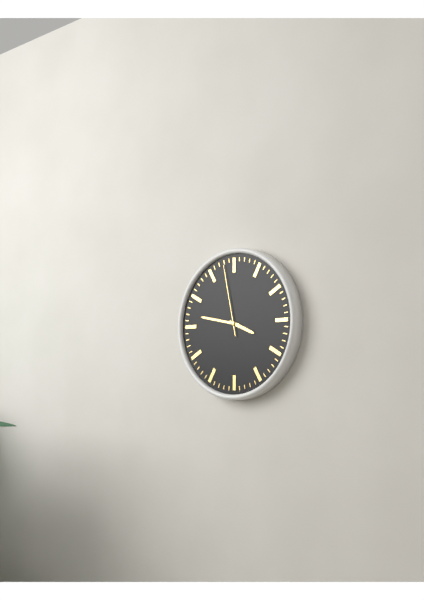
h=3 m=47 s=58
